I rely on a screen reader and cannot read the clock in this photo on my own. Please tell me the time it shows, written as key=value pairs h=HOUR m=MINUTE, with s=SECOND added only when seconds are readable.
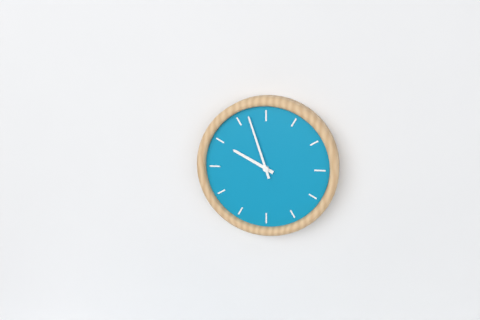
h=9 m=57
